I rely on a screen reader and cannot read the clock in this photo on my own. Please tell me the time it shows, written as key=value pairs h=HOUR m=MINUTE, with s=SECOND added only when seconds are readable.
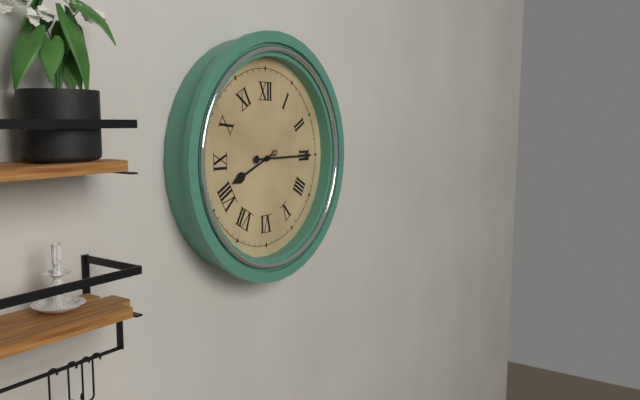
h=8 m=15
